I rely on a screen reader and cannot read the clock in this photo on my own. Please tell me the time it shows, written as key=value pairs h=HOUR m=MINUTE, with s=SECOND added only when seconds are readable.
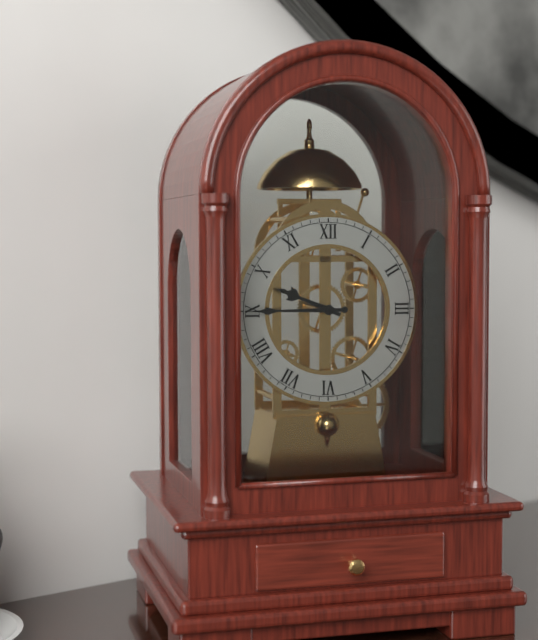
h=9 m=45
